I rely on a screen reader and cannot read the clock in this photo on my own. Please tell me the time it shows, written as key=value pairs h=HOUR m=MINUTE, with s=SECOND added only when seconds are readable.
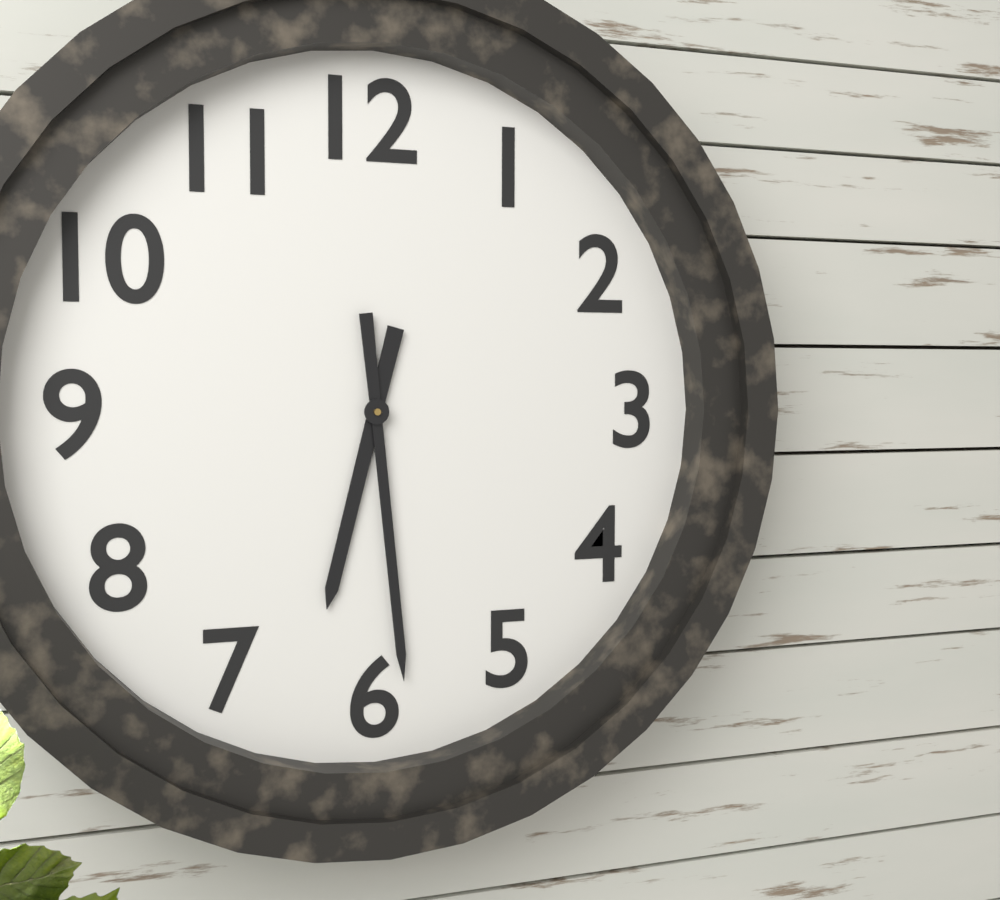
h=6 m=29
